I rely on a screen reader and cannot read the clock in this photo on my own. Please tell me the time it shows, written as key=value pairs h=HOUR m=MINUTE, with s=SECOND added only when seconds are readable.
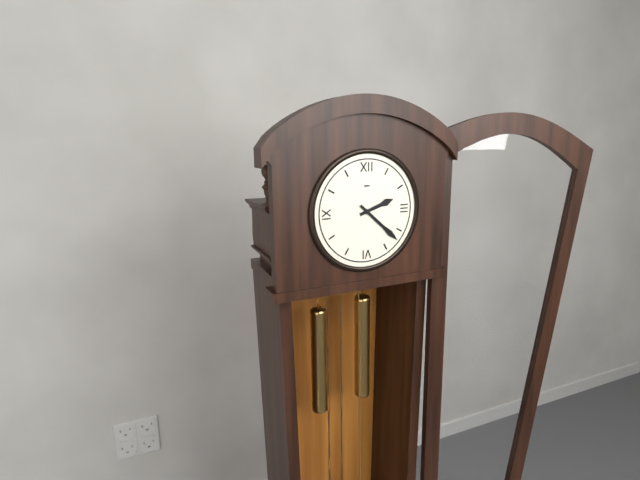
h=2 m=22
